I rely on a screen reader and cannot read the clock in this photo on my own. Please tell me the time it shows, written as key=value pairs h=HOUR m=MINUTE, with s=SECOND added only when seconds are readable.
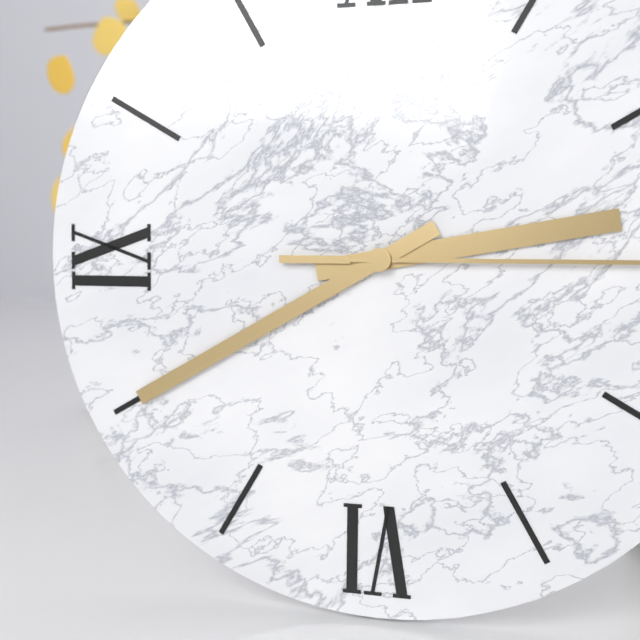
h=2 m=40
